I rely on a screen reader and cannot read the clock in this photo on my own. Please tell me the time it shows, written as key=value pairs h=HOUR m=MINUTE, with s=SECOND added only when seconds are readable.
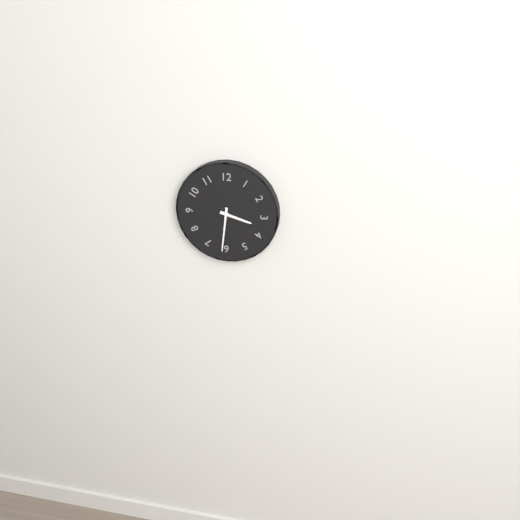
h=3 m=31
